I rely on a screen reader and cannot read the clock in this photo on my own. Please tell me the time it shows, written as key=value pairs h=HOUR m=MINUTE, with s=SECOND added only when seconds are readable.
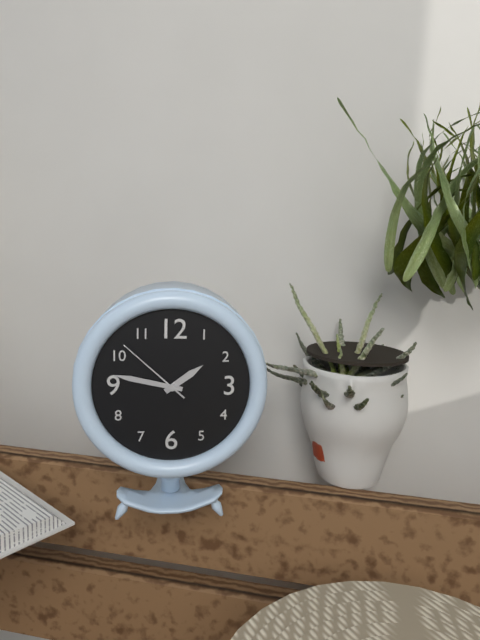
h=1 m=47 s=52
